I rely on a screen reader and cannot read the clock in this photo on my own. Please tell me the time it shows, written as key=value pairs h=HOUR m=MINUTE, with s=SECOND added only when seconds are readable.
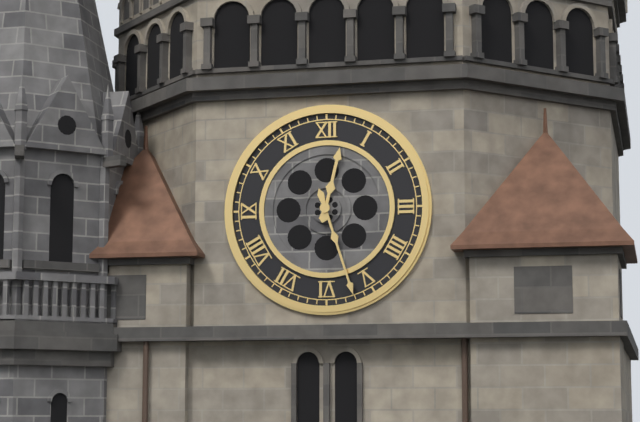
h=12 m=27
